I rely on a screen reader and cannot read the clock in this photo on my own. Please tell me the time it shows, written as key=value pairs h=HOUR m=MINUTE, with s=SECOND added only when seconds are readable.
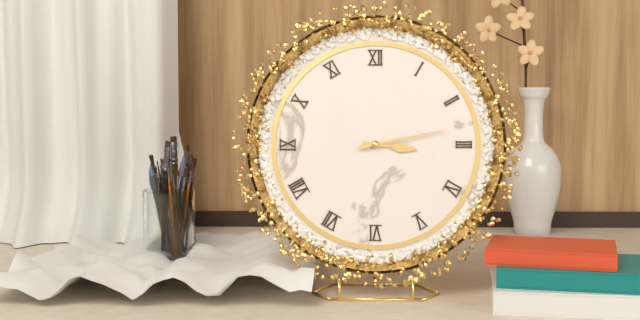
h=3 m=13
